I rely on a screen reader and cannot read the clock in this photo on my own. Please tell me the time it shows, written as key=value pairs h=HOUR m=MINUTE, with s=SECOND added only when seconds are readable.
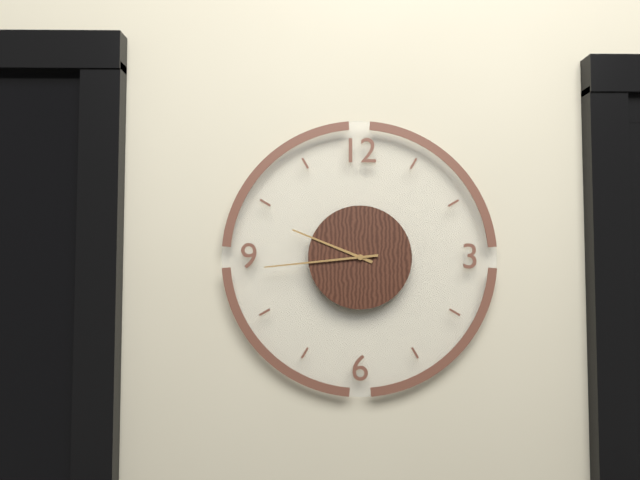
h=9 m=44
